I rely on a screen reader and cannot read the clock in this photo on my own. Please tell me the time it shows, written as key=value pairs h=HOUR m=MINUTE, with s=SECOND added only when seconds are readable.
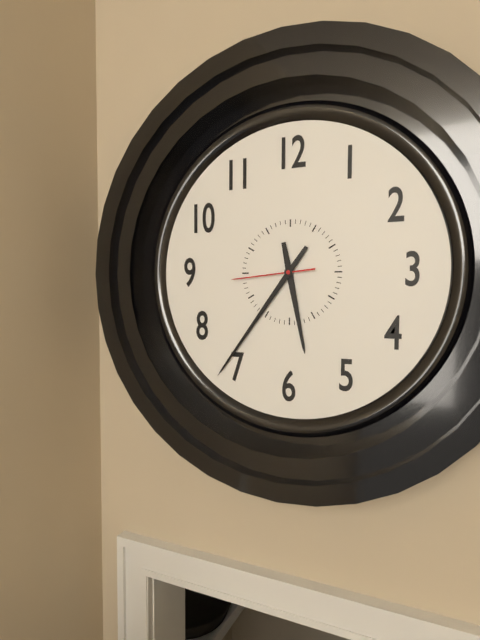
h=5 m=36 s=44
